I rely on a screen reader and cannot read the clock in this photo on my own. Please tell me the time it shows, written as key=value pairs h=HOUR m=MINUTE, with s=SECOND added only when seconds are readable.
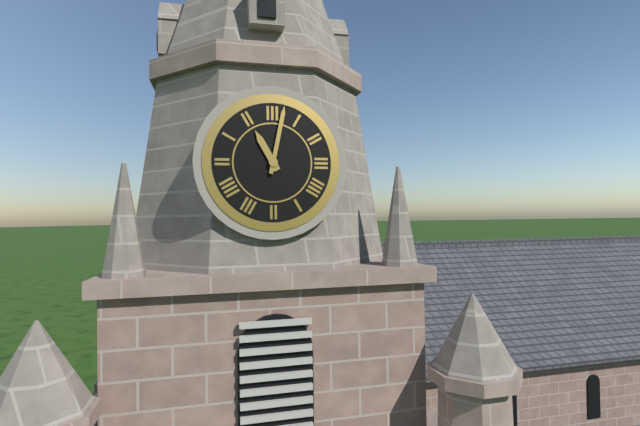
h=11 m=2
